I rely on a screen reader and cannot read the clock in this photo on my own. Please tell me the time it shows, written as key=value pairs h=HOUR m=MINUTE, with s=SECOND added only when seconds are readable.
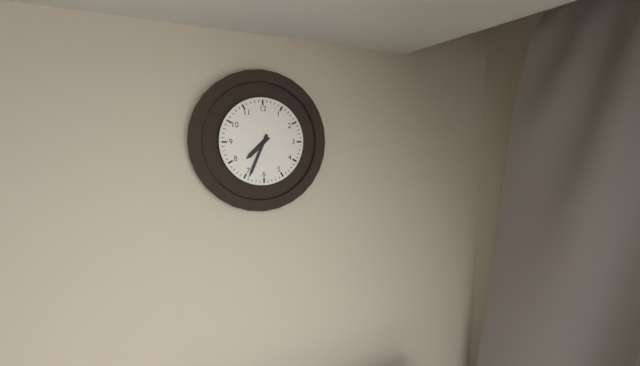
h=7 m=34
